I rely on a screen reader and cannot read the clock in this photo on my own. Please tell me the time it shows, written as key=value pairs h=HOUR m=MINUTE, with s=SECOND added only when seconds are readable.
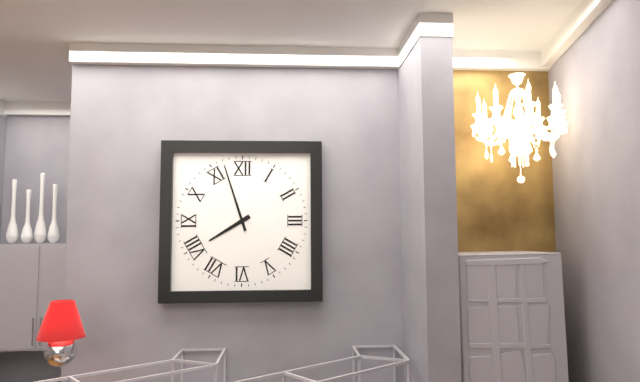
h=7 m=57
